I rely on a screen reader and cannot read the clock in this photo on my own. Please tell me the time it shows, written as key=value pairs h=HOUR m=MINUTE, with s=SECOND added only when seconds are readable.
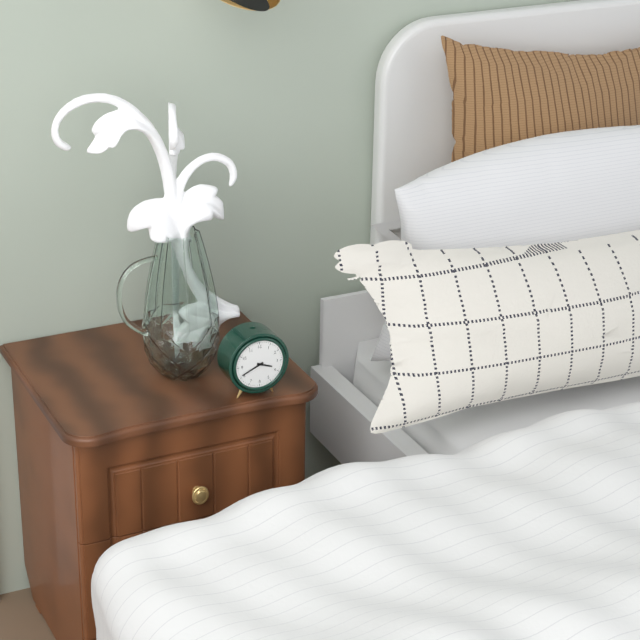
h=3 m=41
